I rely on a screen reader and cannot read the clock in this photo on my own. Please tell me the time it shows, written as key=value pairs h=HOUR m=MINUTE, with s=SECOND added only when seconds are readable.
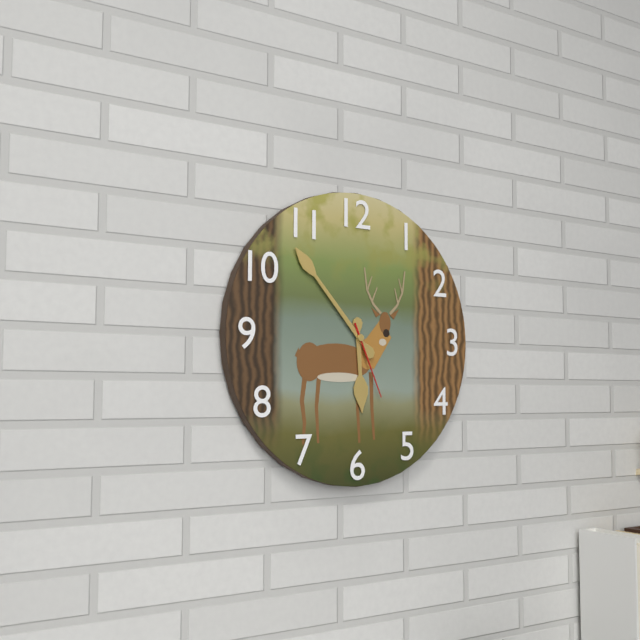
h=5 m=53 s=26
